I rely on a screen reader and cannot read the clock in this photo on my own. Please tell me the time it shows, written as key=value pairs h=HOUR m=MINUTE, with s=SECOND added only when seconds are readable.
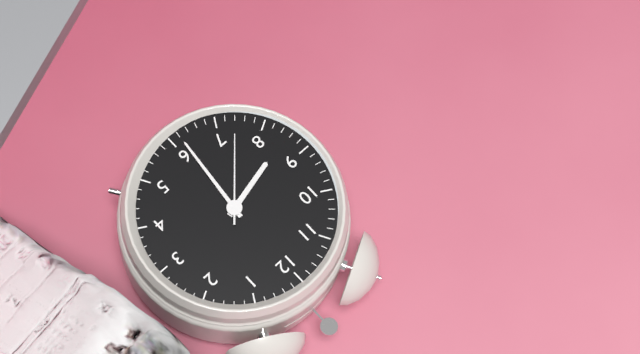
h=8 m=31 s=37
